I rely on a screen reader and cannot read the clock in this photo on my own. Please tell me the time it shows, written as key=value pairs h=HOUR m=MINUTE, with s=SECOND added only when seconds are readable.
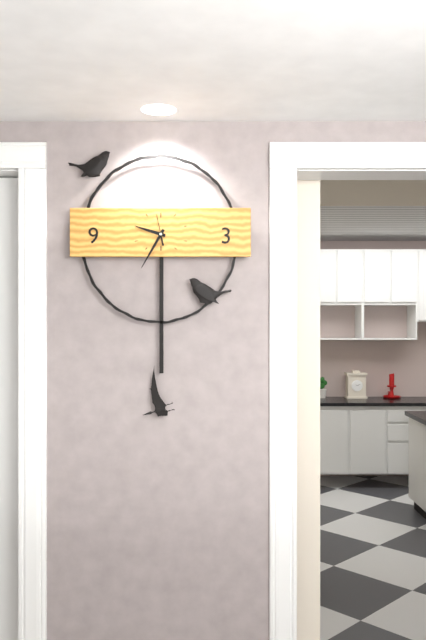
h=9 m=35
